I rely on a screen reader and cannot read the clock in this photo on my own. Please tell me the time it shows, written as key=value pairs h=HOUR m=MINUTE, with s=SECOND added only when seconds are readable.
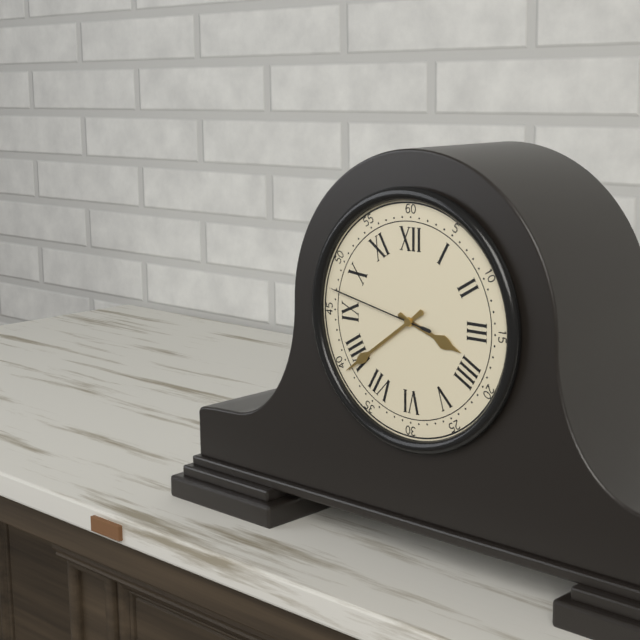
h=3 m=39 s=47
